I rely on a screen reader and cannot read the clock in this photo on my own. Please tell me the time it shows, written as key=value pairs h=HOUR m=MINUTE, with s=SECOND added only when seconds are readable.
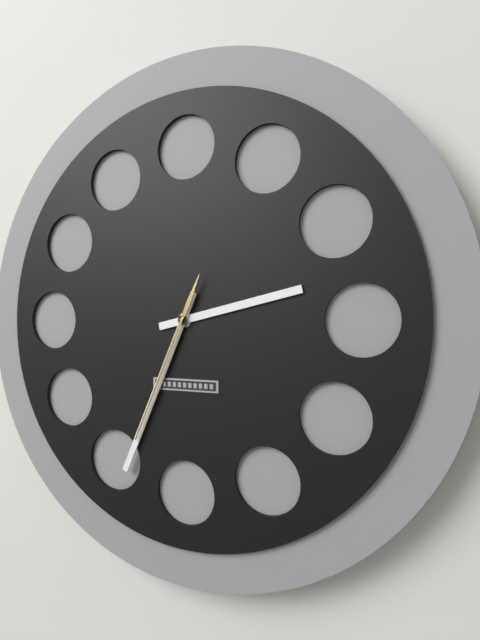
h=2 m=34 s=34
